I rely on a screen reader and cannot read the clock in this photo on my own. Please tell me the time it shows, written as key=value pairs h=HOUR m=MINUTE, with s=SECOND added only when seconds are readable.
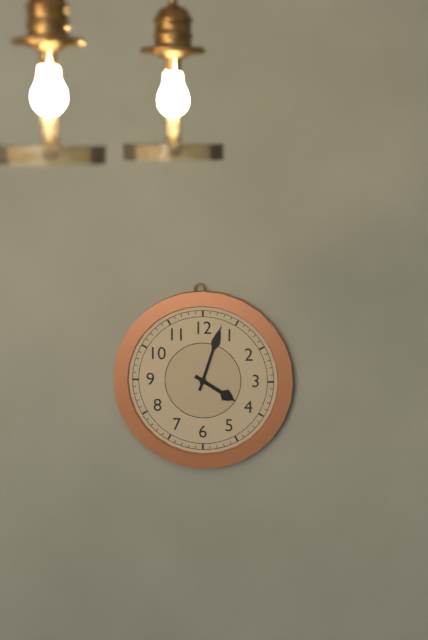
h=4 m=3
